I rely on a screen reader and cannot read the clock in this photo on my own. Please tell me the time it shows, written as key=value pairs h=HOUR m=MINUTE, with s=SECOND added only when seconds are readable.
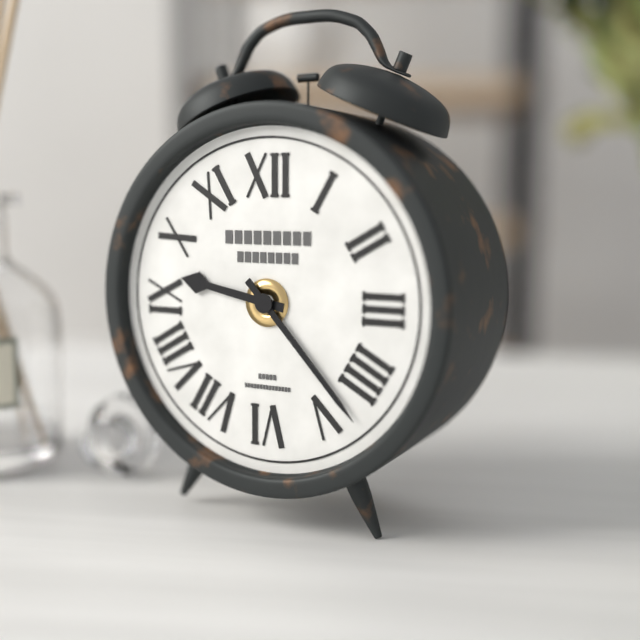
h=9 m=23
